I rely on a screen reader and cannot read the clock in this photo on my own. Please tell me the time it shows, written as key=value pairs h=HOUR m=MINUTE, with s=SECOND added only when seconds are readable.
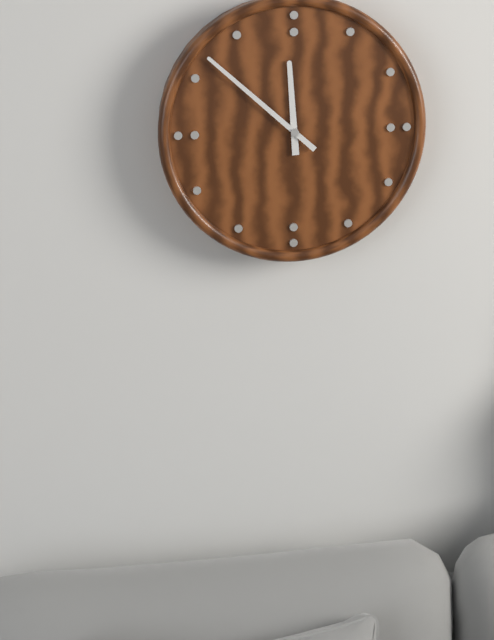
h=11 m=52
